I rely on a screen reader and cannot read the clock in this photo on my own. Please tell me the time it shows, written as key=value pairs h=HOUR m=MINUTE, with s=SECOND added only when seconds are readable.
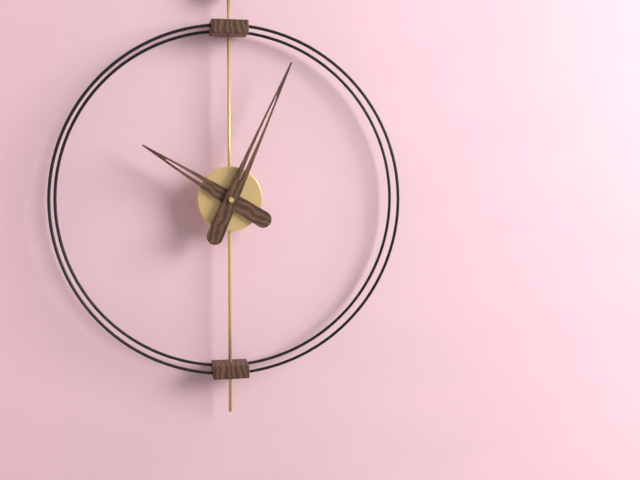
h=10 m=4
